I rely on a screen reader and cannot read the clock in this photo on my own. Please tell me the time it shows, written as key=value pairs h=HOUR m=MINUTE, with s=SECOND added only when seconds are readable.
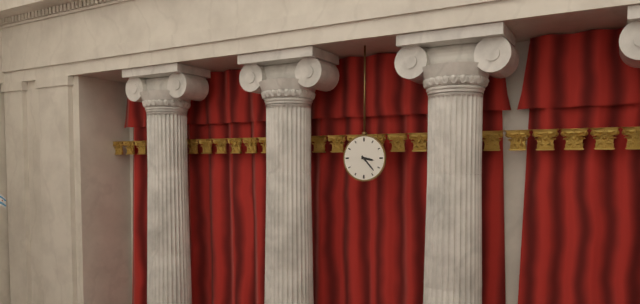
h=3 m=23
